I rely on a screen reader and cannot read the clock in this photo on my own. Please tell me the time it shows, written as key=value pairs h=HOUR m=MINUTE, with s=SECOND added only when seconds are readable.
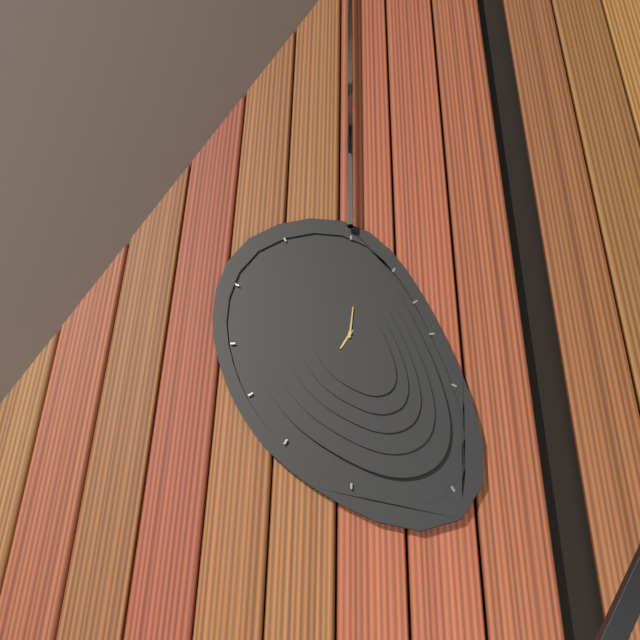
h=7 m=1
